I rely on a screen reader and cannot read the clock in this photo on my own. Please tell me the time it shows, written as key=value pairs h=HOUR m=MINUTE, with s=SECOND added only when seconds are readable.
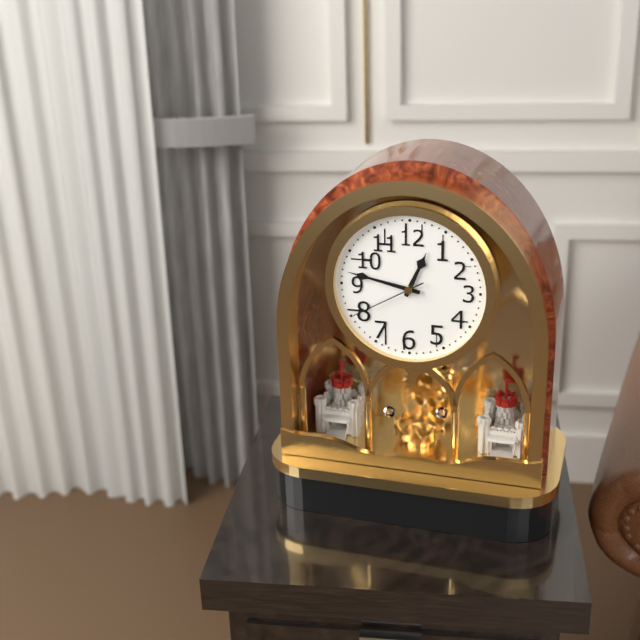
h=12 m=47 s=40
